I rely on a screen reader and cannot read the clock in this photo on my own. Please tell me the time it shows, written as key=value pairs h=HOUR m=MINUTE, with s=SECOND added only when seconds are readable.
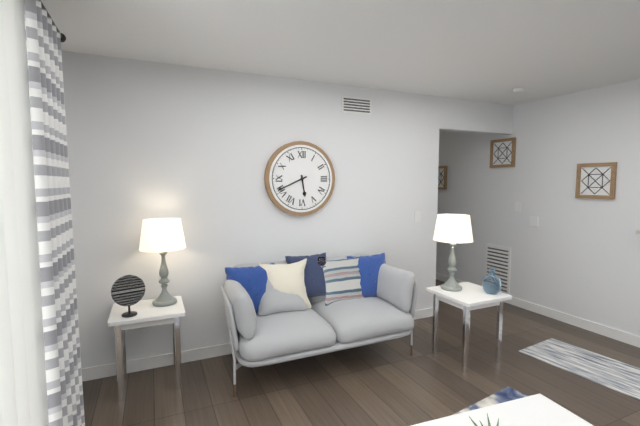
h=5 m=41
